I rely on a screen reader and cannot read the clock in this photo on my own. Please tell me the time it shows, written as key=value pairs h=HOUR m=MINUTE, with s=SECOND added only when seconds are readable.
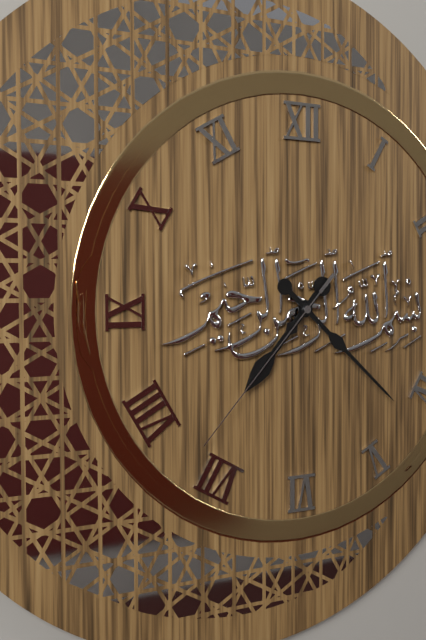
h=7 m=22 s=37
